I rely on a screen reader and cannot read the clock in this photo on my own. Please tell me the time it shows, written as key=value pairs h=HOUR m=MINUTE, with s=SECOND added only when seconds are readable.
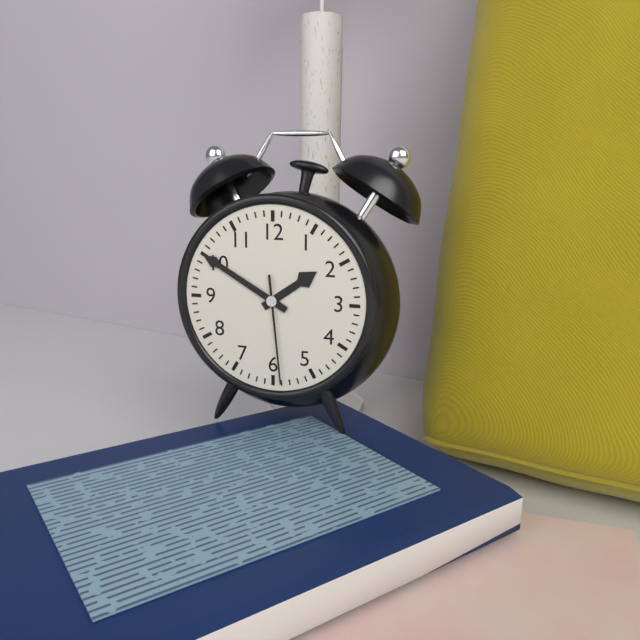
h=1 m=50 s=29
